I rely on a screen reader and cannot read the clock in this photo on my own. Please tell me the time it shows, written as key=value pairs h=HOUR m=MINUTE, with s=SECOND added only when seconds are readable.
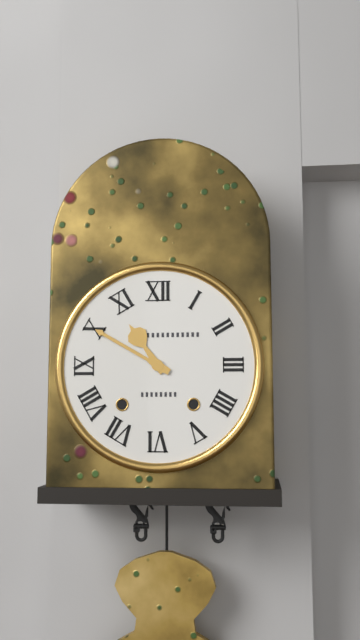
h=10 m=50
